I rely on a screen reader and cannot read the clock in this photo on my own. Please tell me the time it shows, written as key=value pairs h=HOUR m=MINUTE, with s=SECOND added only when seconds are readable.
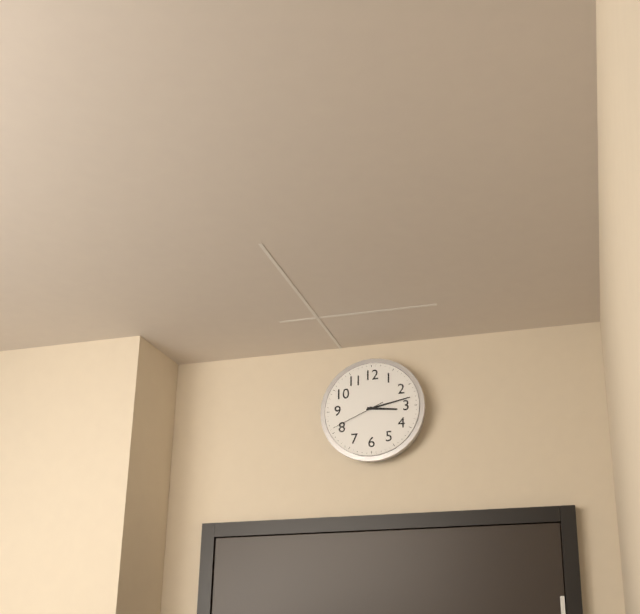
h=3 m=13 s=41
